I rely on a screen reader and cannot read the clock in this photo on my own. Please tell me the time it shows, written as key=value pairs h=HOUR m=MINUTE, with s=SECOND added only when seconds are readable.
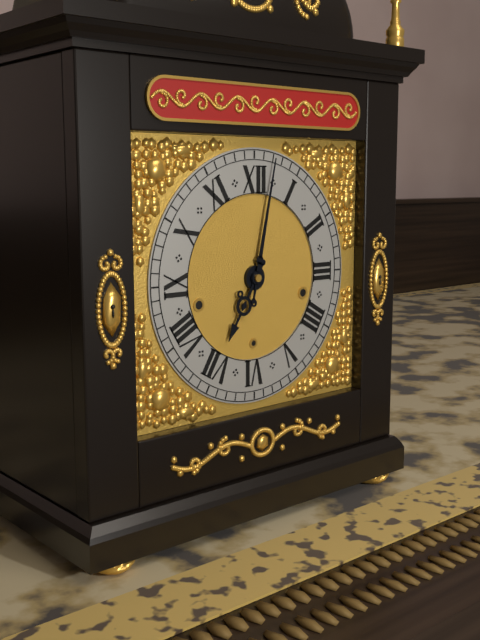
h=7 m=2
